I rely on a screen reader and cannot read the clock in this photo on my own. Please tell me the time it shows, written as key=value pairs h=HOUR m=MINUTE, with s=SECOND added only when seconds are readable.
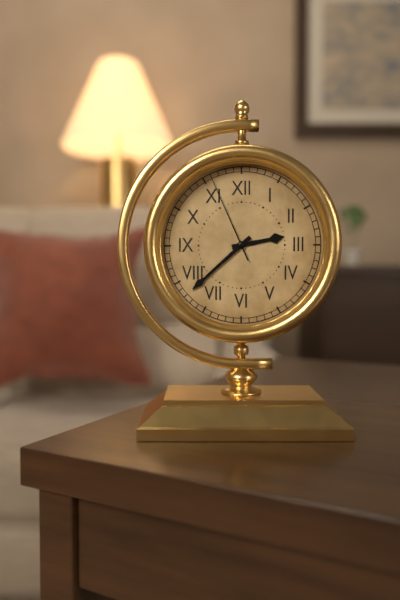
h=2 m=38 s=56
